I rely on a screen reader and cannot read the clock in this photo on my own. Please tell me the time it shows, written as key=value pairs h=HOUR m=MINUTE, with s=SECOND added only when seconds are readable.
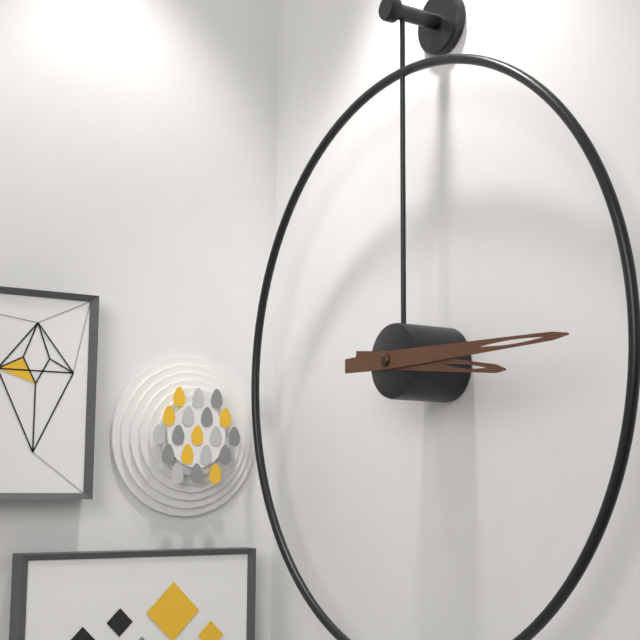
h=3 m=15
